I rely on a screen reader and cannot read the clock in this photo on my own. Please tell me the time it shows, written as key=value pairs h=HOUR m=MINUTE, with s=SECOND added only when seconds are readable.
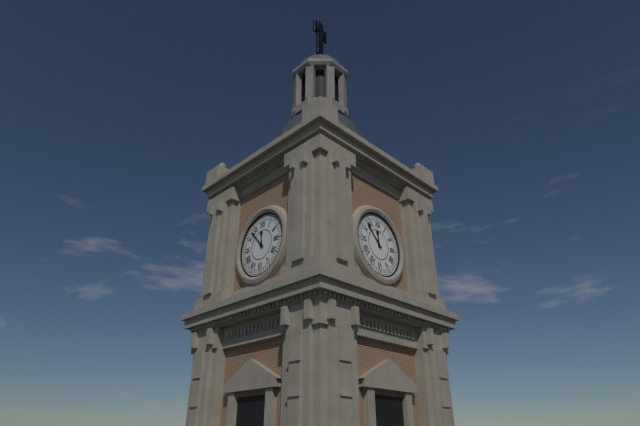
h=11 m=53
